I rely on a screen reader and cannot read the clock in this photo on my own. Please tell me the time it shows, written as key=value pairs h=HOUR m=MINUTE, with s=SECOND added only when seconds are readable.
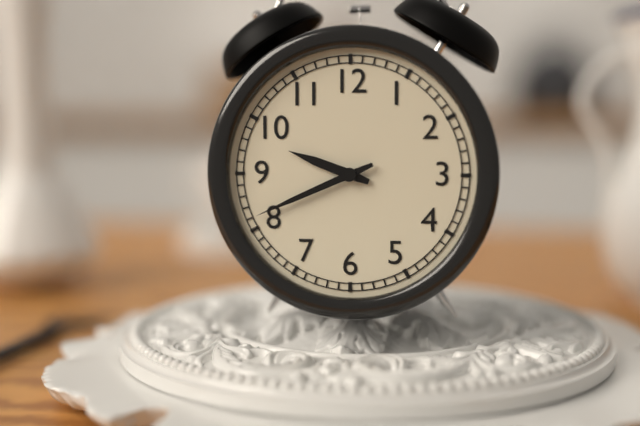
h=9 m=41
